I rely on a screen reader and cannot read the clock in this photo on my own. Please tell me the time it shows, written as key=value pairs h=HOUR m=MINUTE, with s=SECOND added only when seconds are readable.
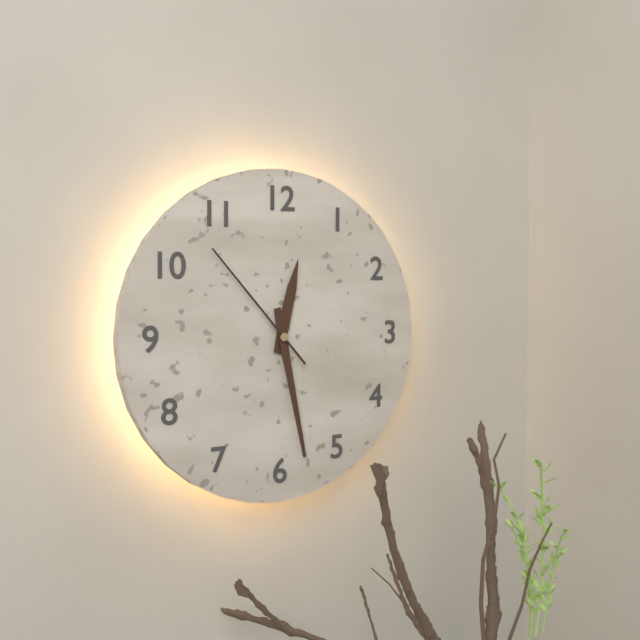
h=12 m=28 s=53
